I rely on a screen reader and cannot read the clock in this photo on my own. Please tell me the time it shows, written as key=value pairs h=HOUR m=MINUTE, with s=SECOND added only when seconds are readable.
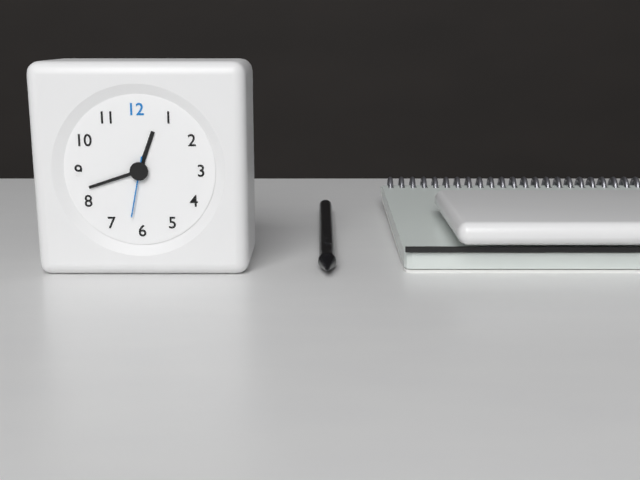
h=12 m=42 s=32
